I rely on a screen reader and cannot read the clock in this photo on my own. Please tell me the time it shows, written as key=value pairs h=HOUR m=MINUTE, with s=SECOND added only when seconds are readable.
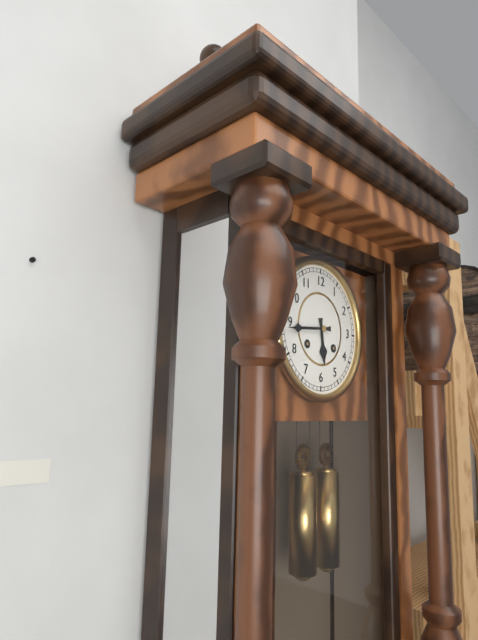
h=5 m=44
